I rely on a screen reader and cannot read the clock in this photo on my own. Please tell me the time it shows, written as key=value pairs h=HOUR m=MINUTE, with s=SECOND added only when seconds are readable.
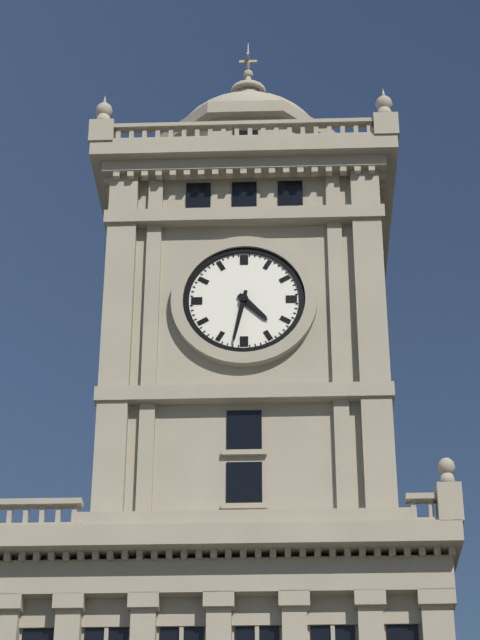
h=4 m=32
